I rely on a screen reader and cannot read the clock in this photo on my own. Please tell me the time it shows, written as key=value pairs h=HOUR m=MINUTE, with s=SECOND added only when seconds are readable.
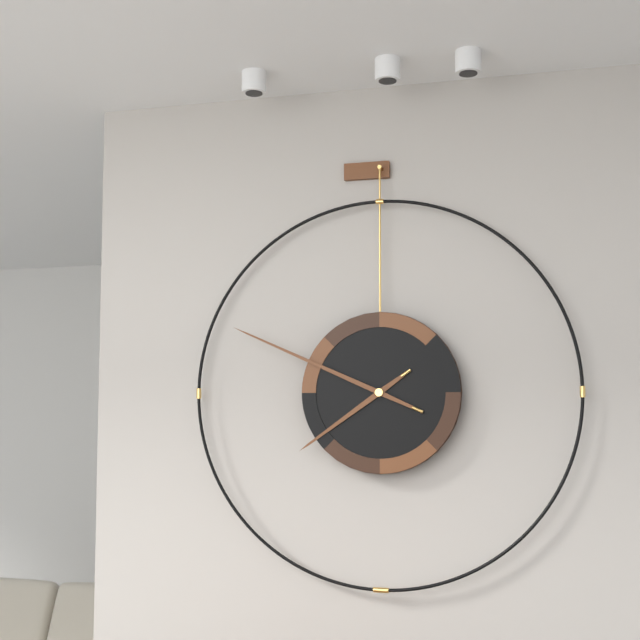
h=7 m=49
